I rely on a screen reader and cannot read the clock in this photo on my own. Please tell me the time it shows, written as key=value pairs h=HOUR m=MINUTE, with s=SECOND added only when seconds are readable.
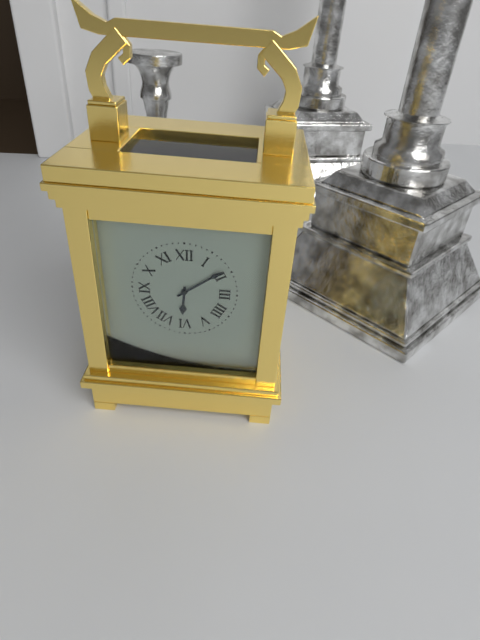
h=6 m=9
